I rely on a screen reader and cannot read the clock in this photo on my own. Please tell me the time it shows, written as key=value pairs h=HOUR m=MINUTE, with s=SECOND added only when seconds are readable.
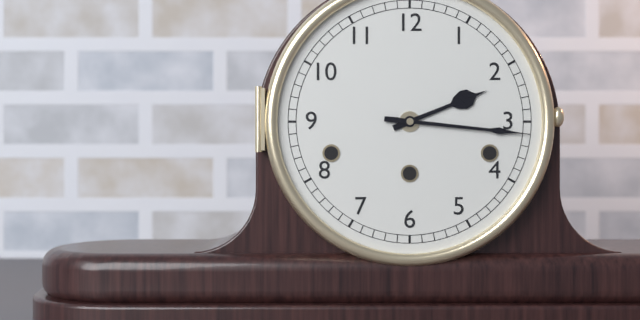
h=2 m=16
